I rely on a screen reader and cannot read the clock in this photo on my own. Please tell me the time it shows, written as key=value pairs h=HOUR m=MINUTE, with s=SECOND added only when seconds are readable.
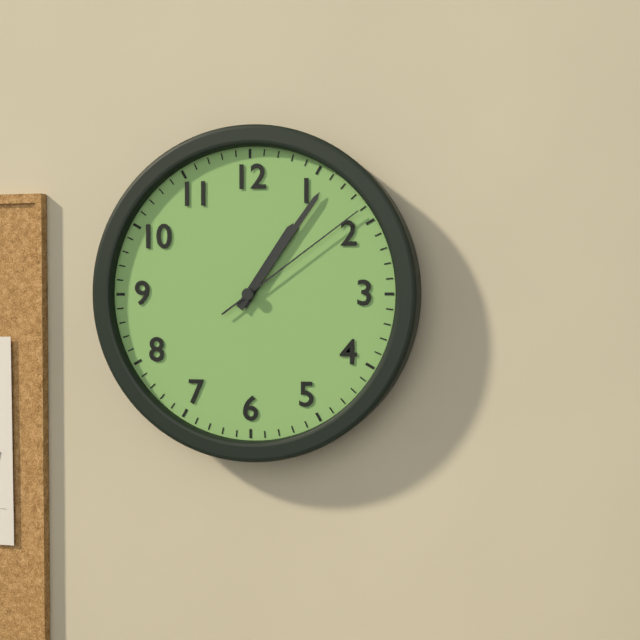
h=1 m=6 s=9
